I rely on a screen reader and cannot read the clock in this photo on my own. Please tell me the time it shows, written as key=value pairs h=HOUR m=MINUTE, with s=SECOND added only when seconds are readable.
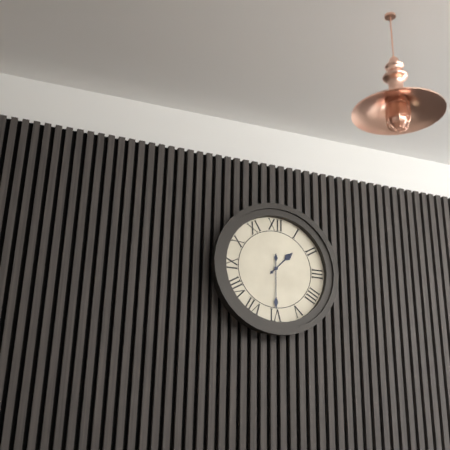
h=1 m=30
